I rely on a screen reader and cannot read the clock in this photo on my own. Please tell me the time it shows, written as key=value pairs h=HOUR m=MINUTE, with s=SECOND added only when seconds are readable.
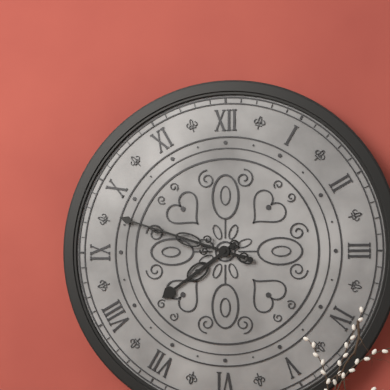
h=7 m=48
